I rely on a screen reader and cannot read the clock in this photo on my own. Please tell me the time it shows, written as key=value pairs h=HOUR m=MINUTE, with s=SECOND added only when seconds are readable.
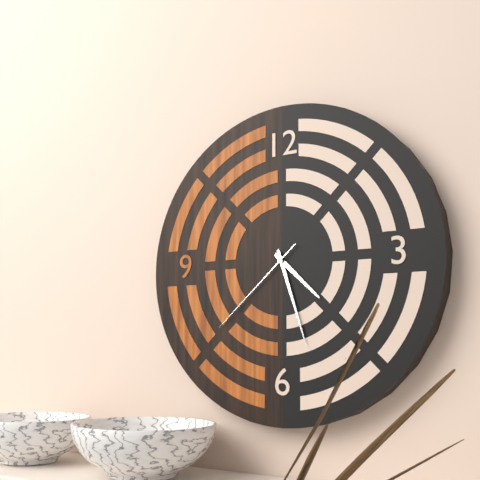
h=4 m=27 s=38
